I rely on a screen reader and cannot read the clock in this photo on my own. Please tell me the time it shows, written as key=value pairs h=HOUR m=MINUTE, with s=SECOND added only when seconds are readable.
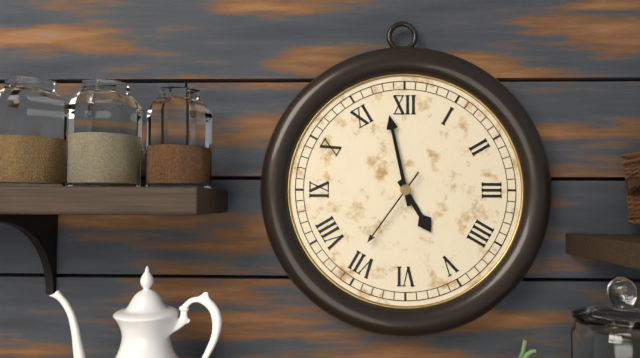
h=4 m=58 s=36
